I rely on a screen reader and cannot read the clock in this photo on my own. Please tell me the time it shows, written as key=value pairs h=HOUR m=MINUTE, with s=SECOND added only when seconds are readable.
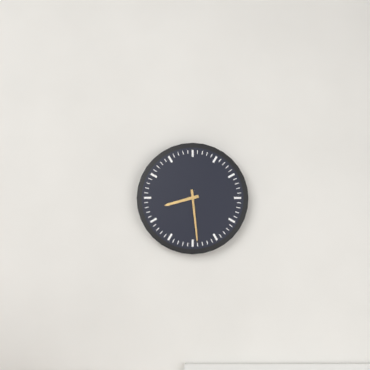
h=8 m=29
